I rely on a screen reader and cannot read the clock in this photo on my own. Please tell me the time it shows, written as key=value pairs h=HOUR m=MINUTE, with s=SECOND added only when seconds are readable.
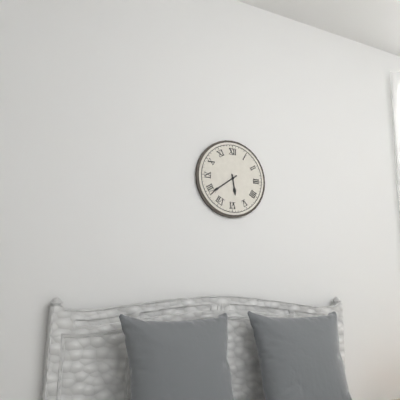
h=5 m=39
